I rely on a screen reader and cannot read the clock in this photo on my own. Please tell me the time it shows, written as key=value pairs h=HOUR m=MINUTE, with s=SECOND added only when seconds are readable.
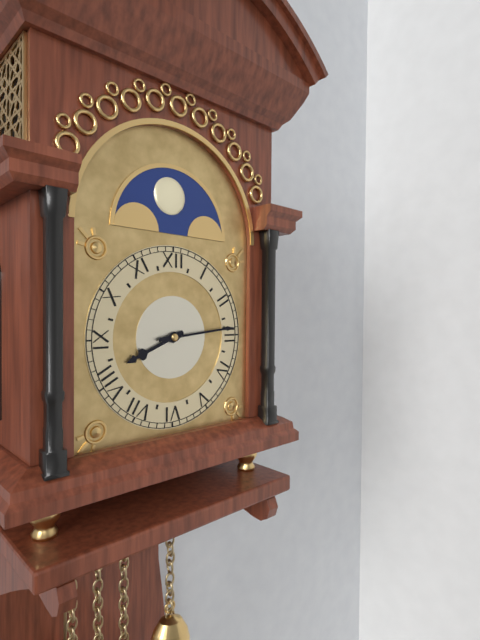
h=8 m=14
